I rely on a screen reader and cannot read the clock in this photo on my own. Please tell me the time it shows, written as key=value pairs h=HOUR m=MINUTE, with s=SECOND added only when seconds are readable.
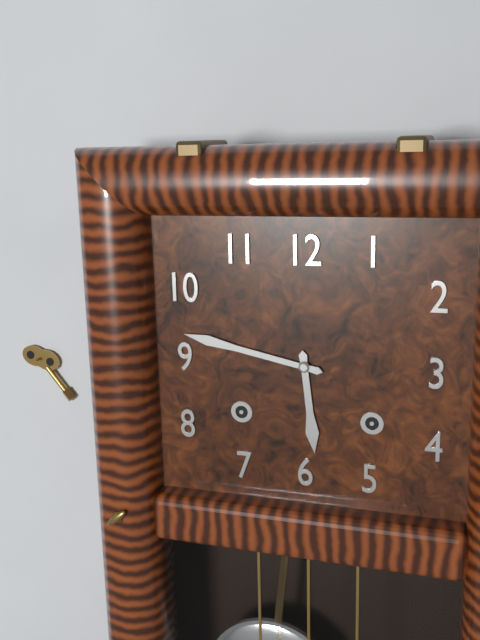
h=5 m=47
